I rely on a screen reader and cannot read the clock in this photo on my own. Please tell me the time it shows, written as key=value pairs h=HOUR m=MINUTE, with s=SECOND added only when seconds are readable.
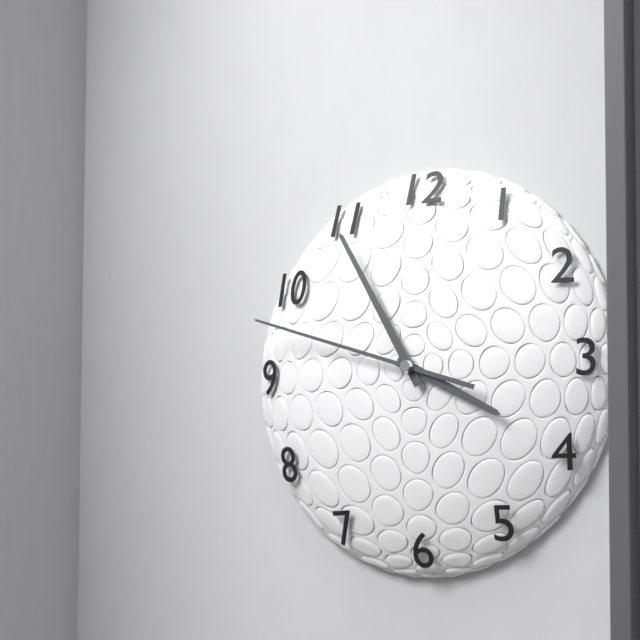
h=3 m=55 s=48
